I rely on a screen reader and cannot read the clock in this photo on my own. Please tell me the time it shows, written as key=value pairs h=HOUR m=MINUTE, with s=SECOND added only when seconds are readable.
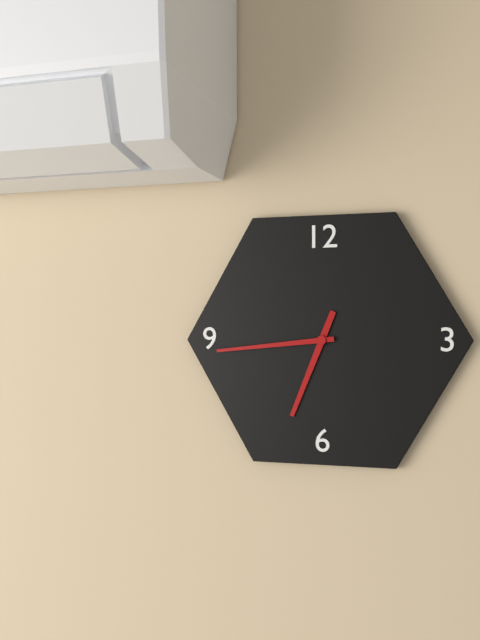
h=6 m=44
